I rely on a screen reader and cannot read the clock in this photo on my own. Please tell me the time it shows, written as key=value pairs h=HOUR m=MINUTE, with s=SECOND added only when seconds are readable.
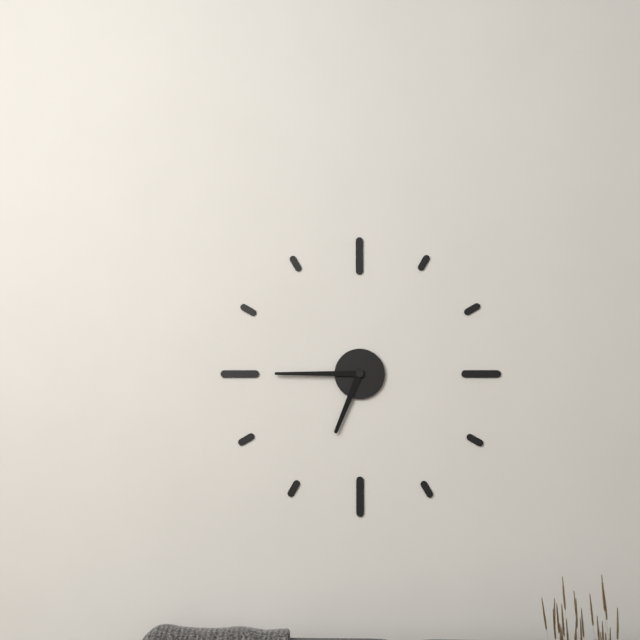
h=6 m=45
